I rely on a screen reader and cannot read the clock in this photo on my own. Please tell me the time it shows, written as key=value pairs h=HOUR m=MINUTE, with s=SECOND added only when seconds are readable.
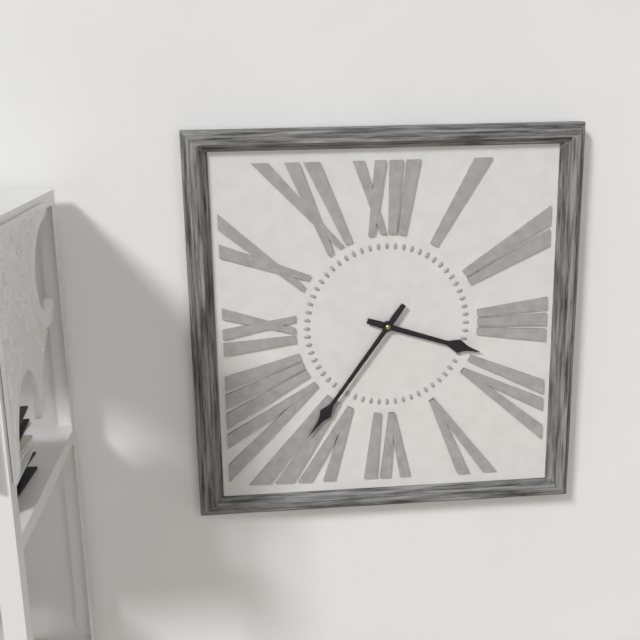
h=3 m=36
